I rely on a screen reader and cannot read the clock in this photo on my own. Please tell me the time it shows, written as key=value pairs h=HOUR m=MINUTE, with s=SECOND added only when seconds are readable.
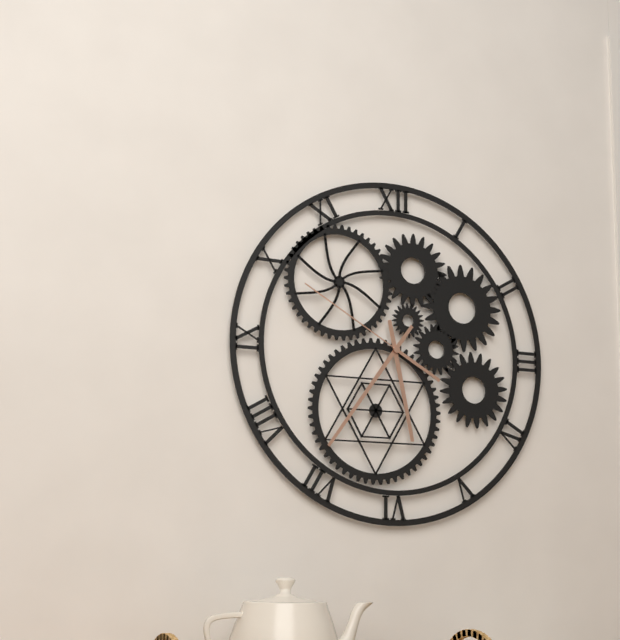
h=5 m=36 s=50
